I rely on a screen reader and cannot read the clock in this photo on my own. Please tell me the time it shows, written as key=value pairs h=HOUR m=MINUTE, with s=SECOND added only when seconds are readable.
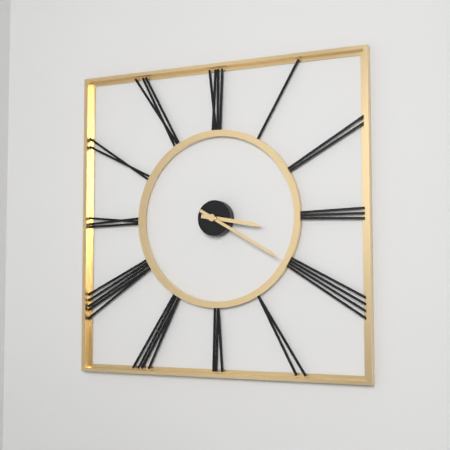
h=3 m=20
